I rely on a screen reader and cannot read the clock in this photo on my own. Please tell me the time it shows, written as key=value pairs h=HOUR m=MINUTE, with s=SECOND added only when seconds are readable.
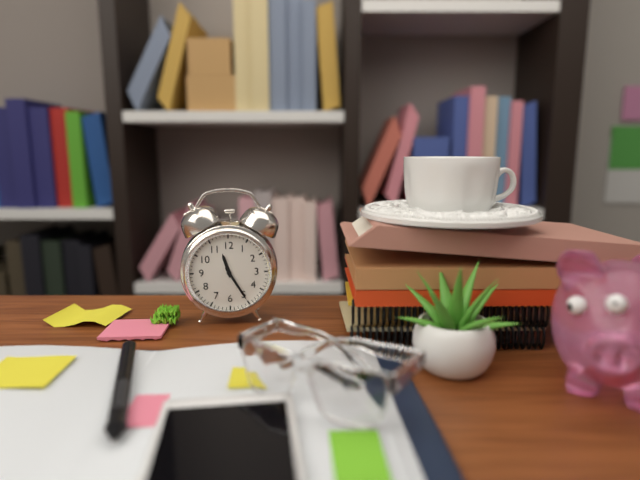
h=11 m=25
